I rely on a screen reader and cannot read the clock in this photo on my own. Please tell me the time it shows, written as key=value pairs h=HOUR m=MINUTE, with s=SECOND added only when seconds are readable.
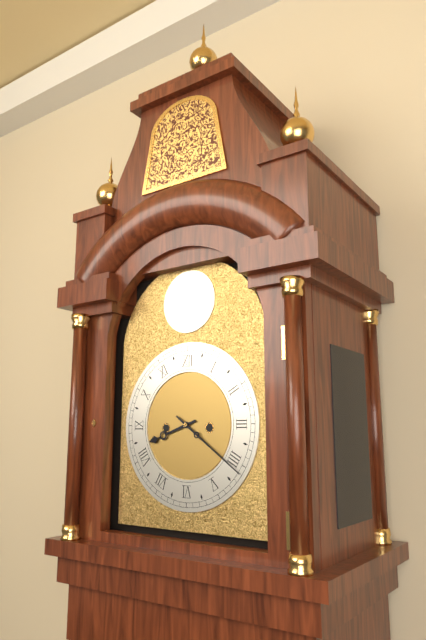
h=8 m=21
